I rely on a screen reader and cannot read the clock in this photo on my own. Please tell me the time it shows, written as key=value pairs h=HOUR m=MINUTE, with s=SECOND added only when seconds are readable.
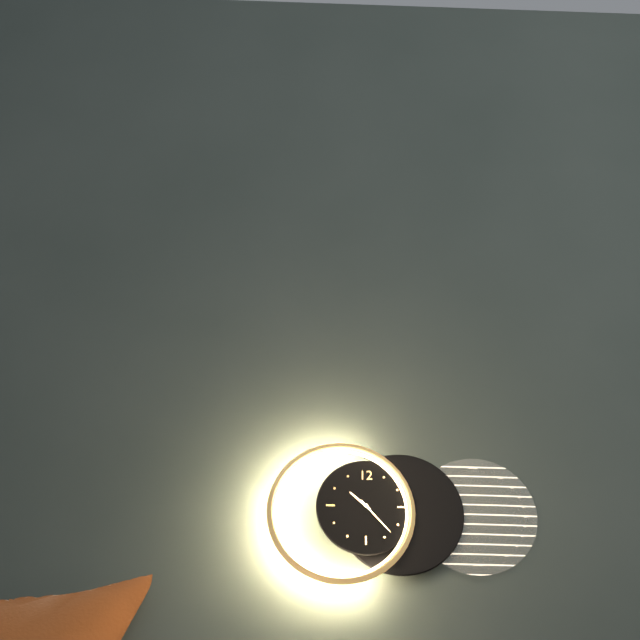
h=10 m=23
